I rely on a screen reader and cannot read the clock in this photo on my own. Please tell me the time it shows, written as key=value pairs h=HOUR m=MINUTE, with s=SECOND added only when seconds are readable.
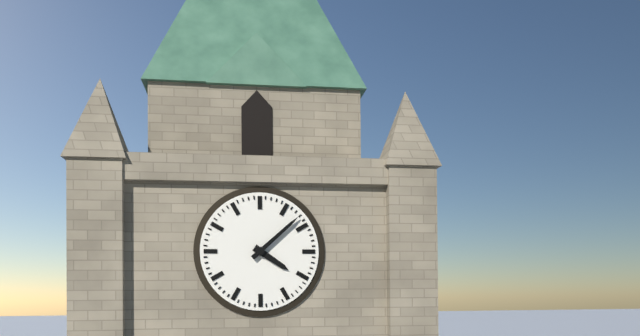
h=4 m=8
